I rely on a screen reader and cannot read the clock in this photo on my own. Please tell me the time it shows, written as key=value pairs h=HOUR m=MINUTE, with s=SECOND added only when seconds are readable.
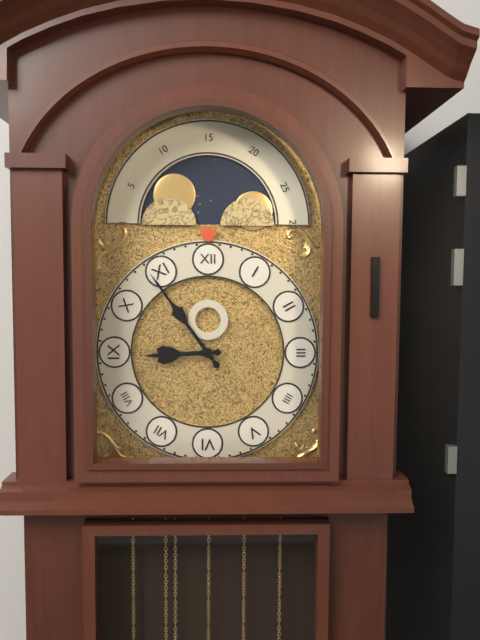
h=8 m=54
